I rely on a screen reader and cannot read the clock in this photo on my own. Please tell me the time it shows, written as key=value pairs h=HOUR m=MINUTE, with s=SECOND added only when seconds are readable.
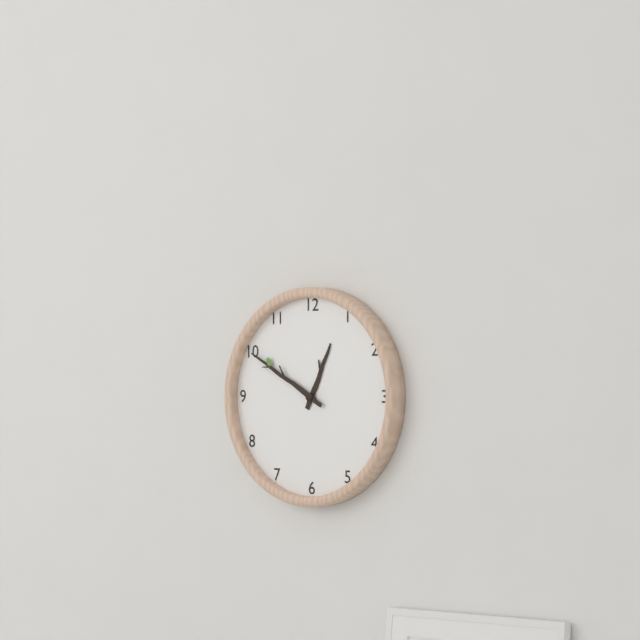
h=12 m=50
